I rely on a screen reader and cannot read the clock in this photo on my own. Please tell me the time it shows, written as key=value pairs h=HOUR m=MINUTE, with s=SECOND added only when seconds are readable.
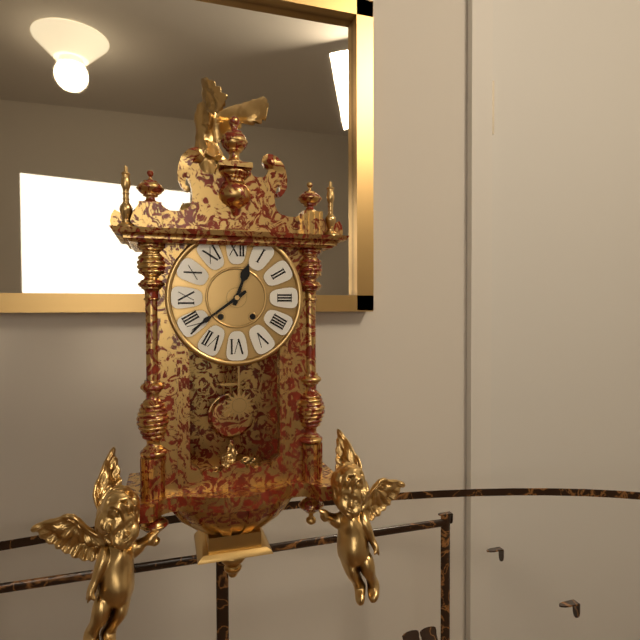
h=12 m=39
